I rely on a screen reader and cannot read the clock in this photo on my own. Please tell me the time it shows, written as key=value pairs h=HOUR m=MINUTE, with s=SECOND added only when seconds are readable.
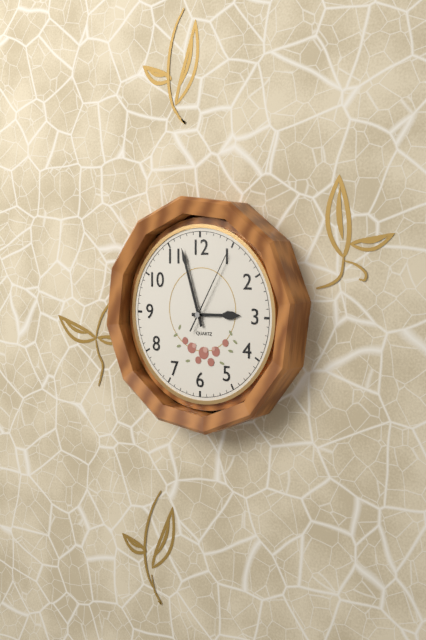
h=2 m=57 s=5
